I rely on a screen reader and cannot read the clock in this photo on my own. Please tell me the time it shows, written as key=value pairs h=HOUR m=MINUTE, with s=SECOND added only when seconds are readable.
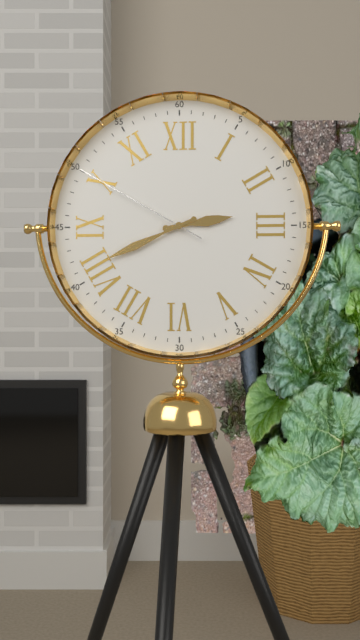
h=2 m=41 s=50
